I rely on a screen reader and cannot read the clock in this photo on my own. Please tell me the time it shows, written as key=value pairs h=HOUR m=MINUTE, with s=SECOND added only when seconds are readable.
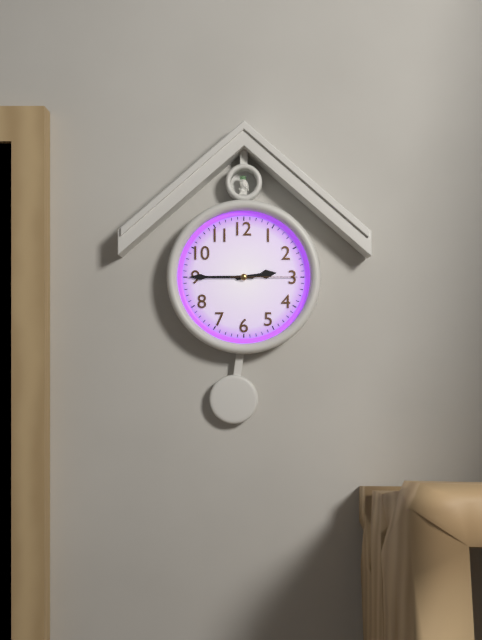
h=2 m=45 s=15
